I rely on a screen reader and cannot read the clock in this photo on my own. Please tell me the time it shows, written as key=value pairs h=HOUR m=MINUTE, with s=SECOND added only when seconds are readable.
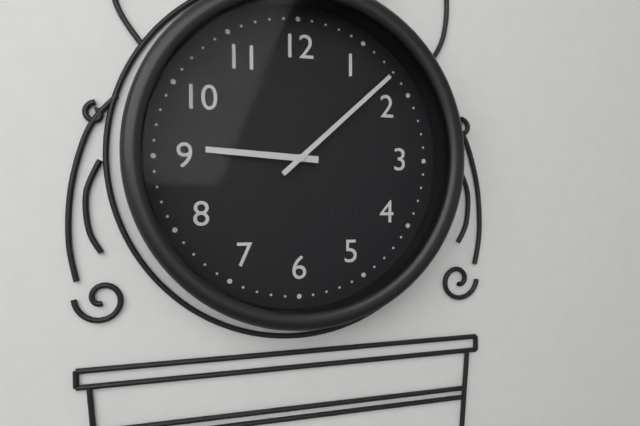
h=9 m=8
